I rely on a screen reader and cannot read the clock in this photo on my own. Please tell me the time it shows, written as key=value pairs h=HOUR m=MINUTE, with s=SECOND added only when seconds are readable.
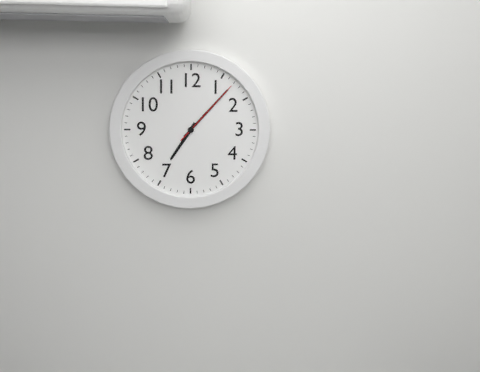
h=7 m=7 s=7
